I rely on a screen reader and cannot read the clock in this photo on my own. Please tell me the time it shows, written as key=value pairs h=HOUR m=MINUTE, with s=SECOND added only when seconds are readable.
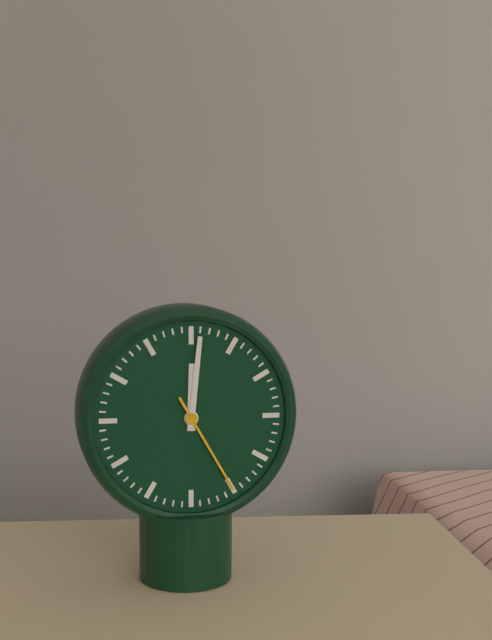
h=12 m=1 s=25
